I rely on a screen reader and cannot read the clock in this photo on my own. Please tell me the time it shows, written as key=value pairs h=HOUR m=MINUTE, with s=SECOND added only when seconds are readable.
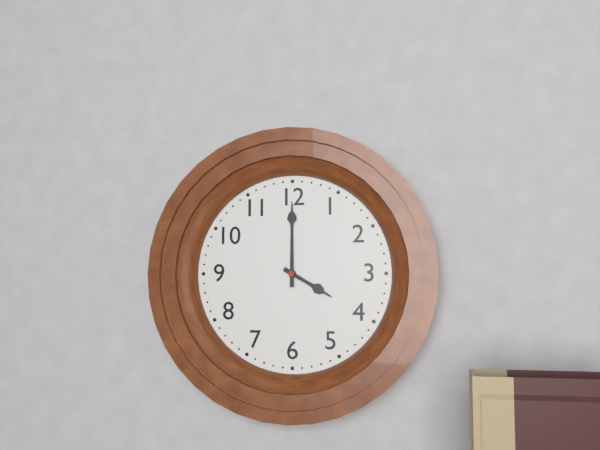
h=4 m=0
